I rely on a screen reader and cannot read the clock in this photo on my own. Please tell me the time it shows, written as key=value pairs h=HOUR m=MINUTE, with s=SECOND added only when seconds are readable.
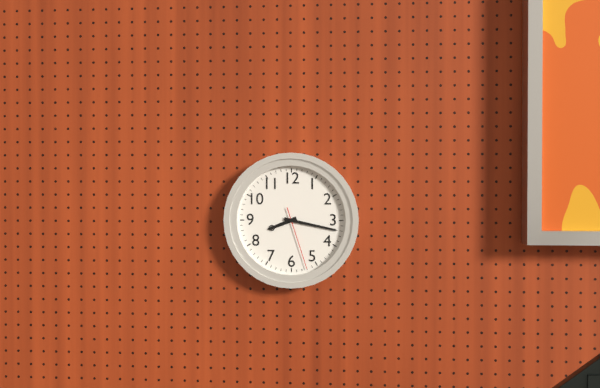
h=8 m=17 s=27
